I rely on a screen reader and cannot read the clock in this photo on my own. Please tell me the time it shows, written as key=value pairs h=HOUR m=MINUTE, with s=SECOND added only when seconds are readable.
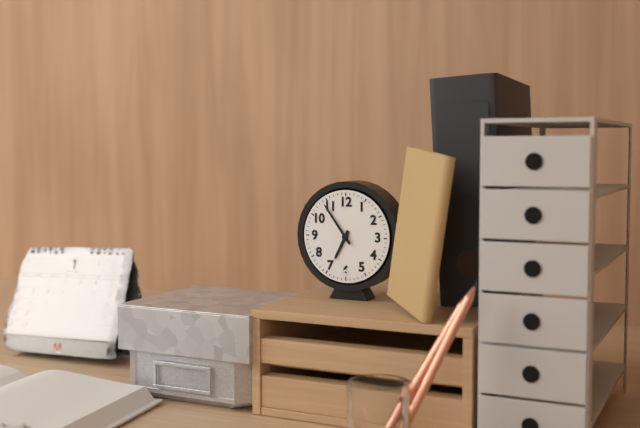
h=6 m=54
